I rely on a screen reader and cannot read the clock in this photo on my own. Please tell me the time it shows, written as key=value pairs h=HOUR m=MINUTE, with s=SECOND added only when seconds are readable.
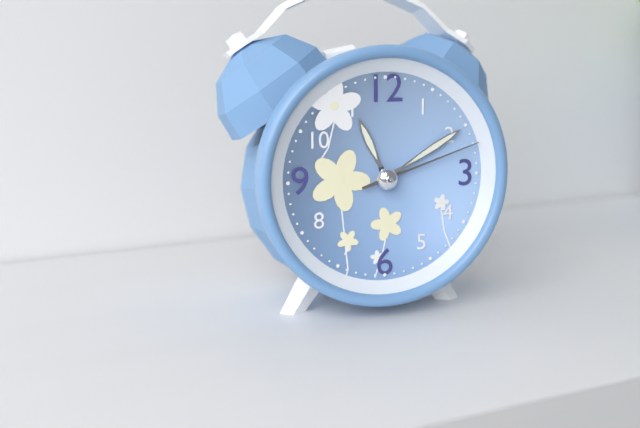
h=11 m=10 s=12
